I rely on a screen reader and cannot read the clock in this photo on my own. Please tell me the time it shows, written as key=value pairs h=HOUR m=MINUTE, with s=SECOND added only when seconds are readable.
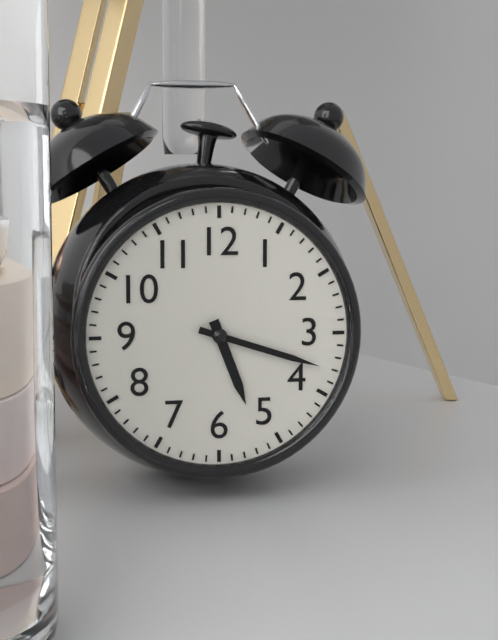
h=5 m=18
